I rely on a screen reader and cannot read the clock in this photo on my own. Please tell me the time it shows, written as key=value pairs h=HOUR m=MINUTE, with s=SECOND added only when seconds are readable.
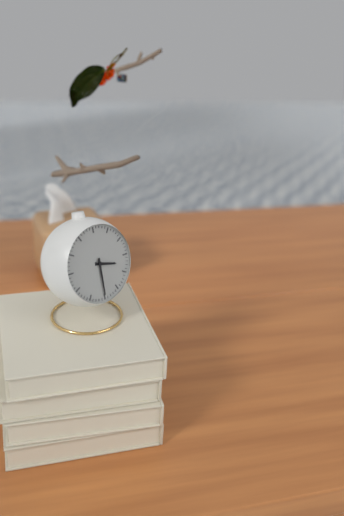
h=3 m=30
